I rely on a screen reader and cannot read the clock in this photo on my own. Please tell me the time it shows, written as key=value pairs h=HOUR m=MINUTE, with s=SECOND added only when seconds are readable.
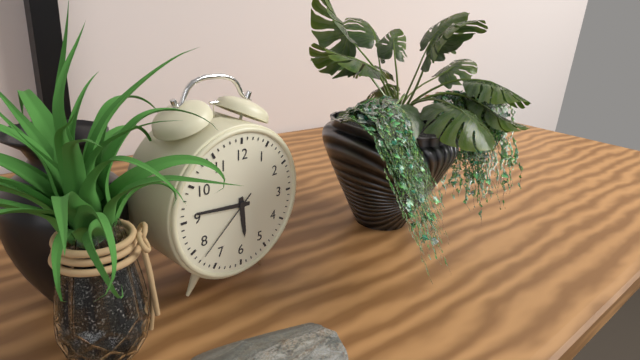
h=5 m=46 s=38
